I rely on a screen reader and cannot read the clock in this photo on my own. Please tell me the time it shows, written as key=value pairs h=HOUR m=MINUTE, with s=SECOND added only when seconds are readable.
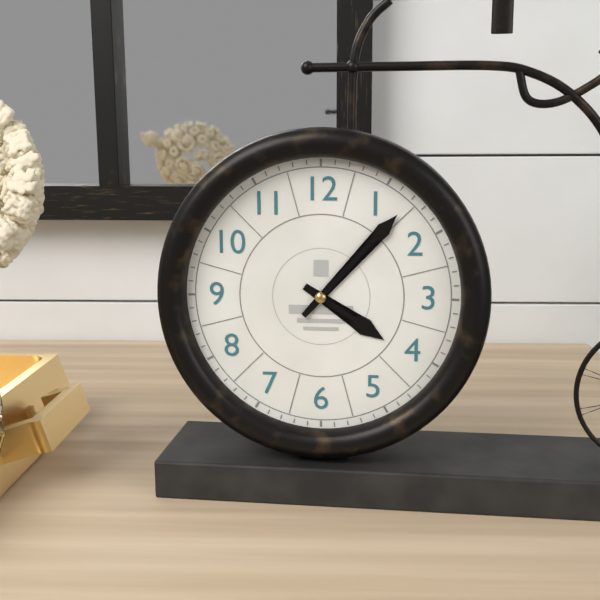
h=4 m=7
